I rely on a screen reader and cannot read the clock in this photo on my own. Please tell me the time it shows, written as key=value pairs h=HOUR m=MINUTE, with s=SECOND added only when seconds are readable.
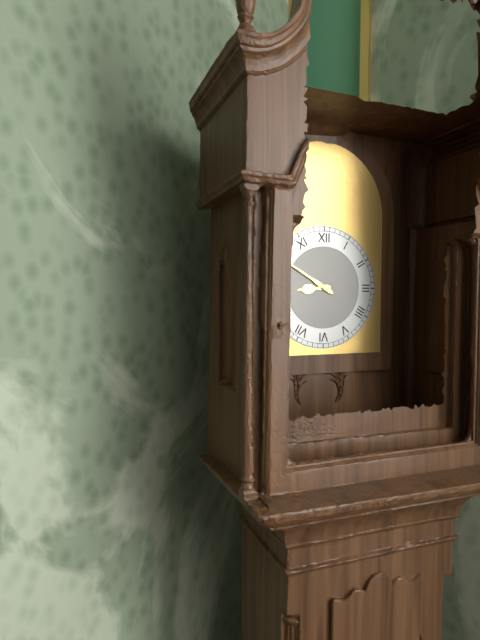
h=8 m=50
